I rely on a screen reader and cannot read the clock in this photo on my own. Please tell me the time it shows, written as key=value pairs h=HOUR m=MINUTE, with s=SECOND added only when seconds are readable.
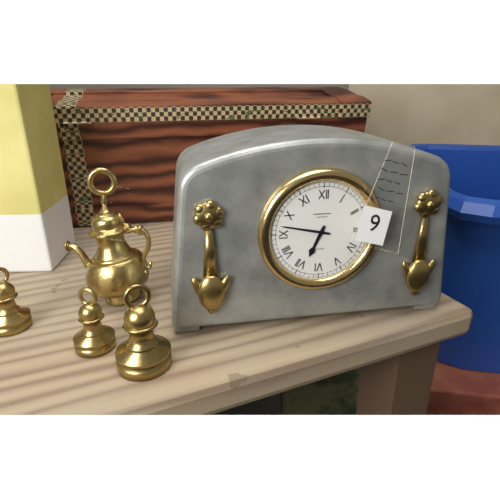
h=6 m=47
